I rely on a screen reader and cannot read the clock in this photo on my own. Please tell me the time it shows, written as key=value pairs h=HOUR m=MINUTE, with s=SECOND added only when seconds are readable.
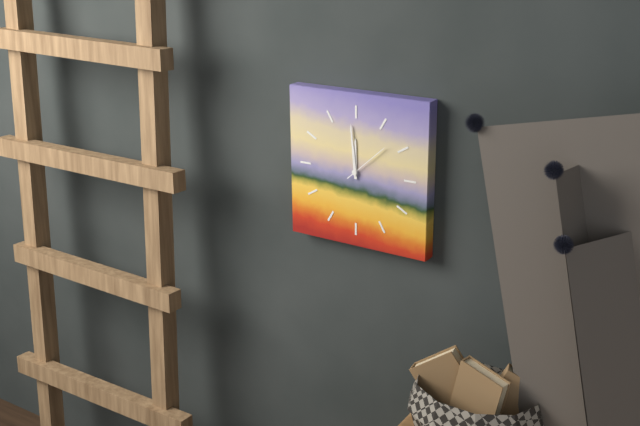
h=11 m=59
